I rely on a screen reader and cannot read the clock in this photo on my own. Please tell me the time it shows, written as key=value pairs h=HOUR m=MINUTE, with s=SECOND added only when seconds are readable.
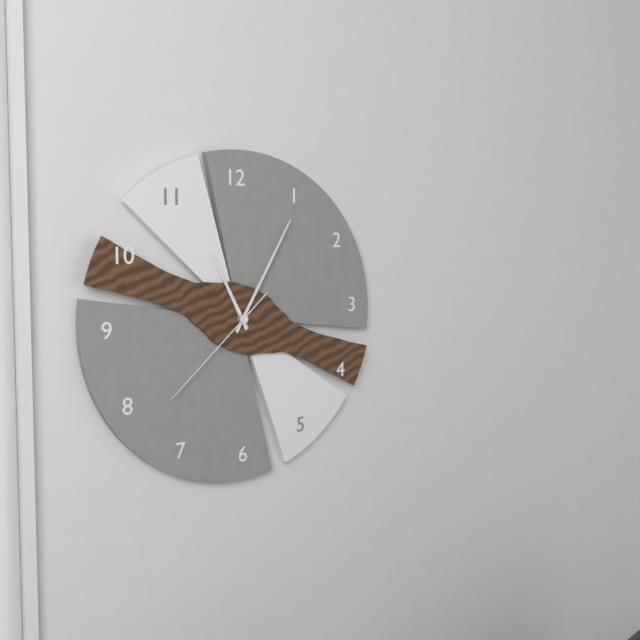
h=11 m=5 s=38
